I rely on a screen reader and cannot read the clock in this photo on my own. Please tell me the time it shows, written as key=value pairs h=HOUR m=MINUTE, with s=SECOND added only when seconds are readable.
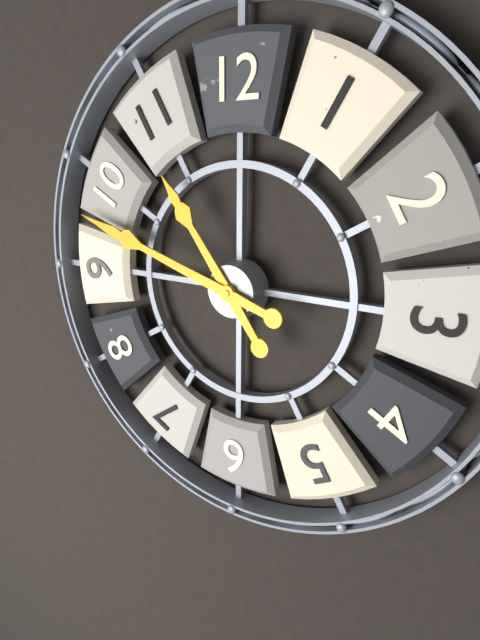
h=10 m=48
